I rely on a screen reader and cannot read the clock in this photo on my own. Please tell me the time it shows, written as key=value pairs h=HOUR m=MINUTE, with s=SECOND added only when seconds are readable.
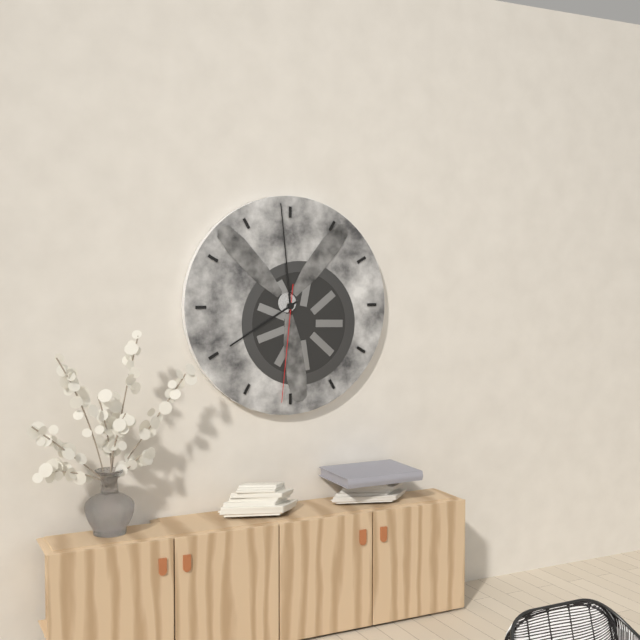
h=7 m=59 s=31
